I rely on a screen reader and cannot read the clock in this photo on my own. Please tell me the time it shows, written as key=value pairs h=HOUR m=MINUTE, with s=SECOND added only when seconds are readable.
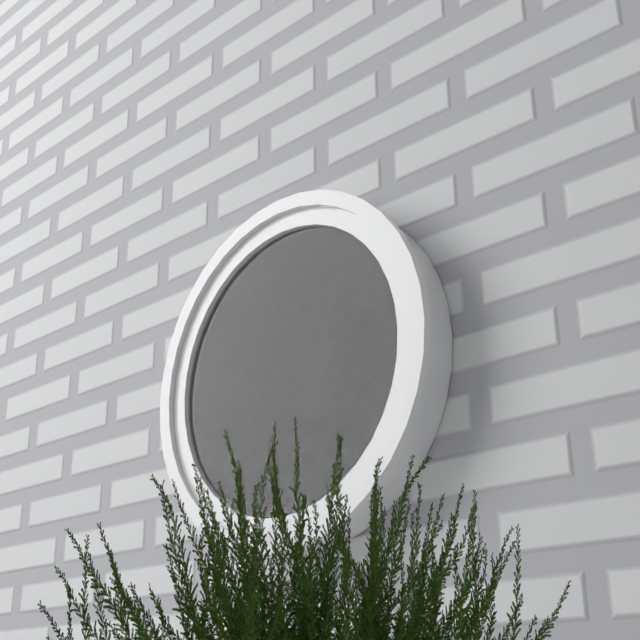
h=11 m=30 s=12
